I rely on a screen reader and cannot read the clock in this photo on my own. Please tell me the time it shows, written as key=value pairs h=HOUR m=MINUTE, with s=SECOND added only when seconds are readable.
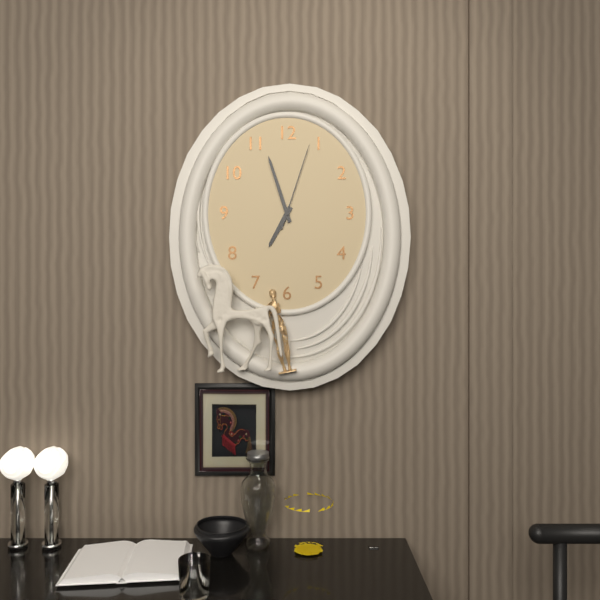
h=6 m=57 s=3
